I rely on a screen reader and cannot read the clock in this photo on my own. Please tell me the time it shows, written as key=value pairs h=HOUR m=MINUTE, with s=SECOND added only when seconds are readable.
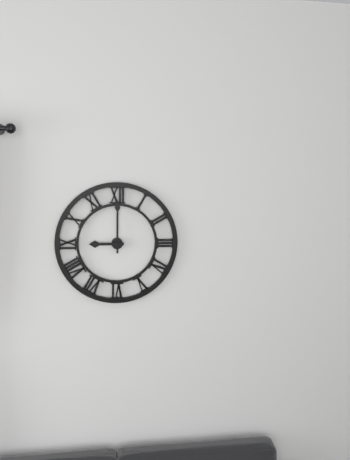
h=9 m=0
